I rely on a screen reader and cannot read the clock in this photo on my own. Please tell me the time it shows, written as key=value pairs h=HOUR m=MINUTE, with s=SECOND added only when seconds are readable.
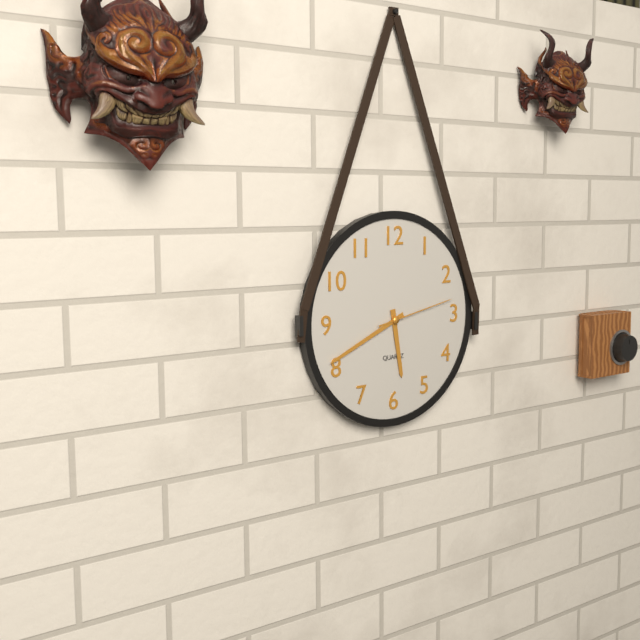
h=5 m=41 s=13
